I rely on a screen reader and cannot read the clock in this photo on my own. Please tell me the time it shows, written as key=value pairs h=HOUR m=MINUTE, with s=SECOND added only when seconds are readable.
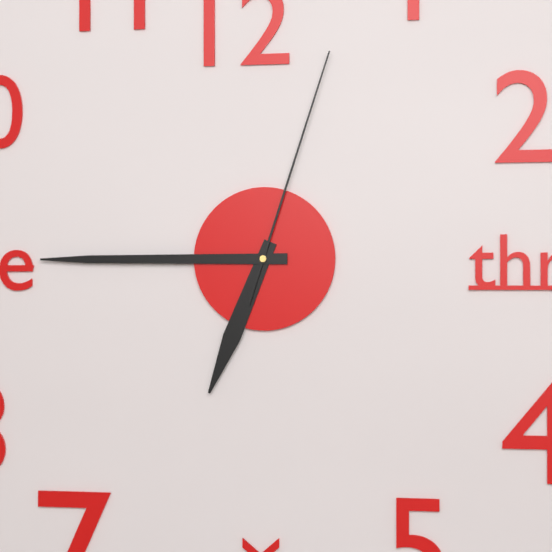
h=6 m=45 s=3
